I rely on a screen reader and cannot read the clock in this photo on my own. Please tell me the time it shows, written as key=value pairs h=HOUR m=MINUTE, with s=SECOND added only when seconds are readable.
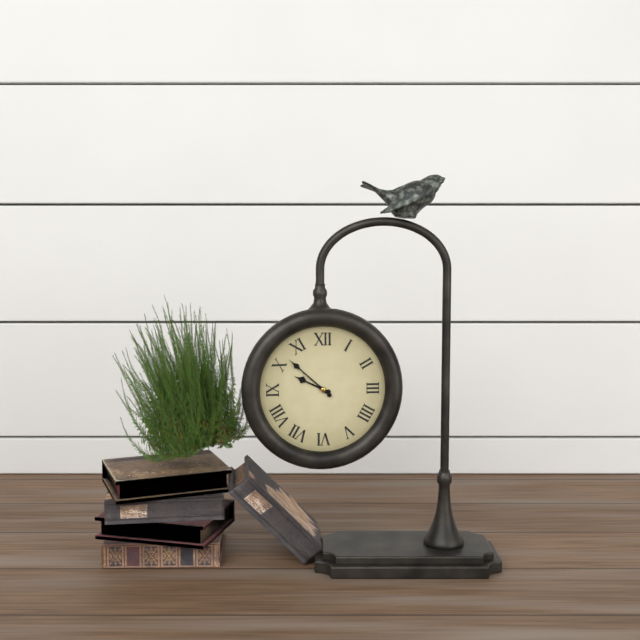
h=9 m=52
